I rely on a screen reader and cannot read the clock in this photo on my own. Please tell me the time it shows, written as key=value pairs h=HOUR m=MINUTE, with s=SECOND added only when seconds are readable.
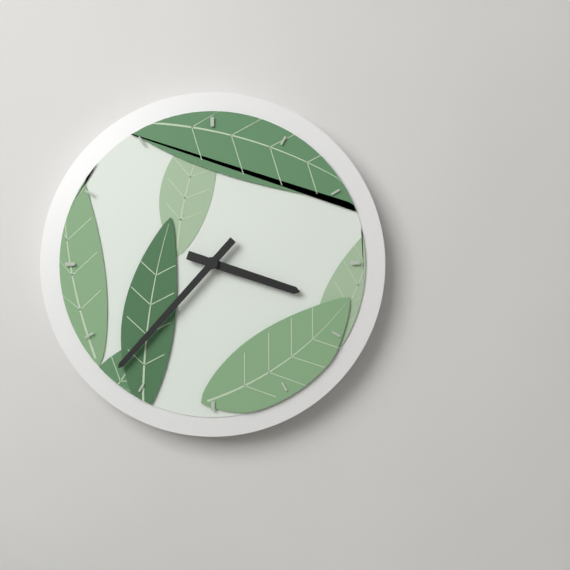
h=3 m=37
